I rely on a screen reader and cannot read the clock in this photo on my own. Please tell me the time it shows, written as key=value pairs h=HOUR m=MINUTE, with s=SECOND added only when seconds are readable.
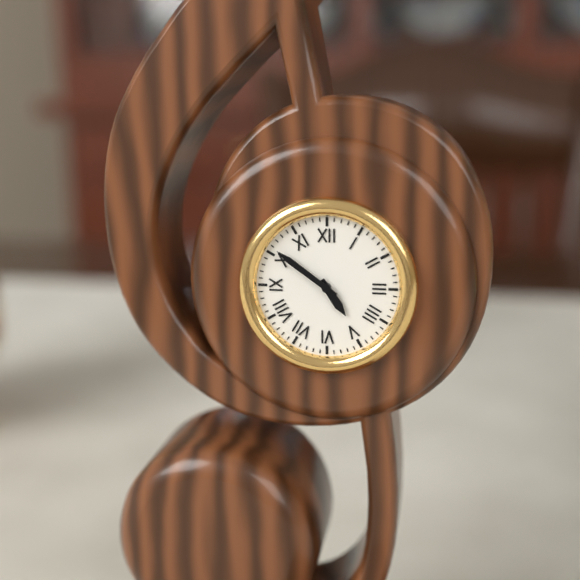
h=4 m=51
